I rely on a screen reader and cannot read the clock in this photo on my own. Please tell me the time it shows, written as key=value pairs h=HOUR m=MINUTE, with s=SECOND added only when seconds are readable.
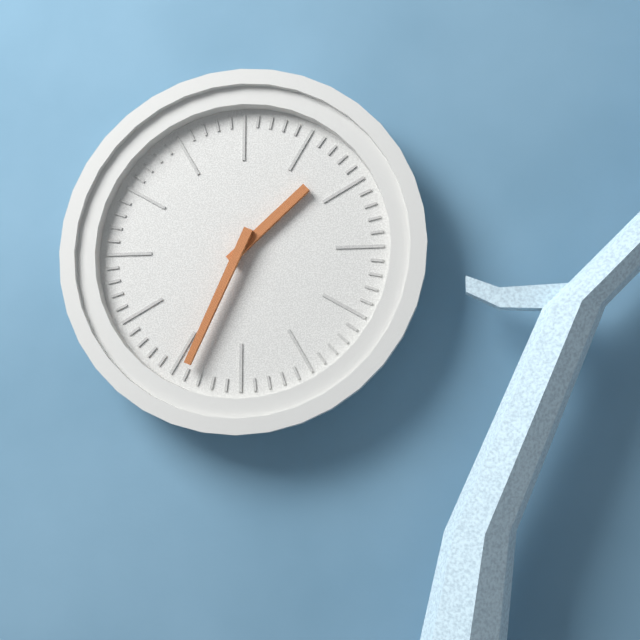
h=1 m=34
